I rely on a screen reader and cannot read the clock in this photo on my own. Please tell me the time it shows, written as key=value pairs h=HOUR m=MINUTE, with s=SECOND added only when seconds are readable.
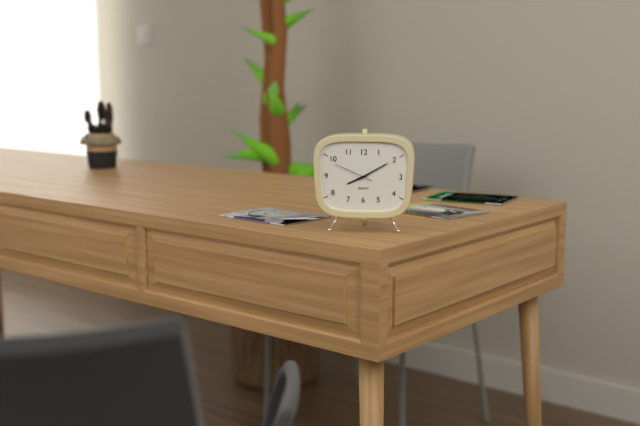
h=8 m=10
